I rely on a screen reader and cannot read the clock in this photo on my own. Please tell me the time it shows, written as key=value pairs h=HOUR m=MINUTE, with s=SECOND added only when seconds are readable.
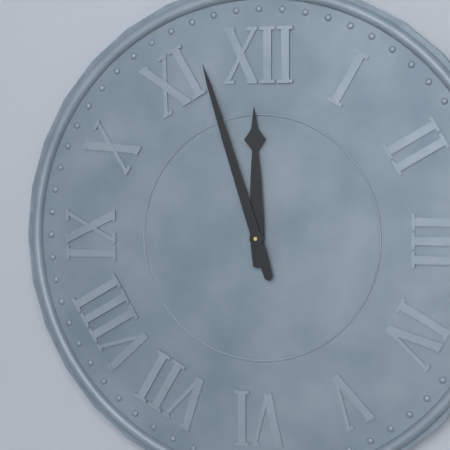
h=11 m=57
